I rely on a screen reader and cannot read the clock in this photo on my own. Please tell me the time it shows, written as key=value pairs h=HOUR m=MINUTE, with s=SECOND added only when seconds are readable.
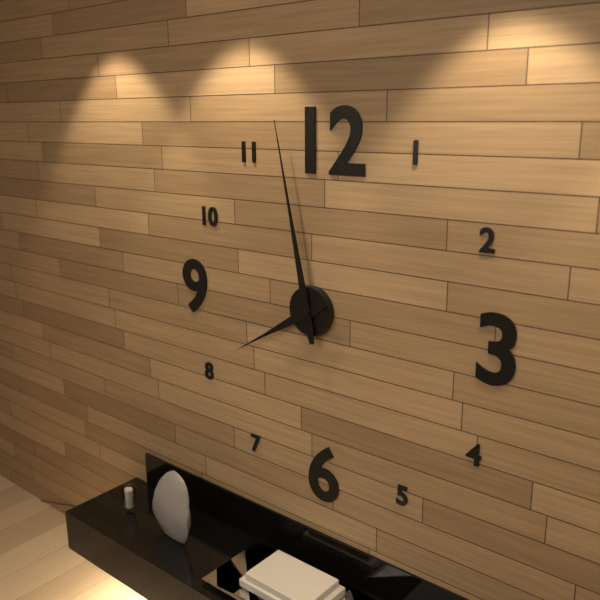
h=7 m=58
